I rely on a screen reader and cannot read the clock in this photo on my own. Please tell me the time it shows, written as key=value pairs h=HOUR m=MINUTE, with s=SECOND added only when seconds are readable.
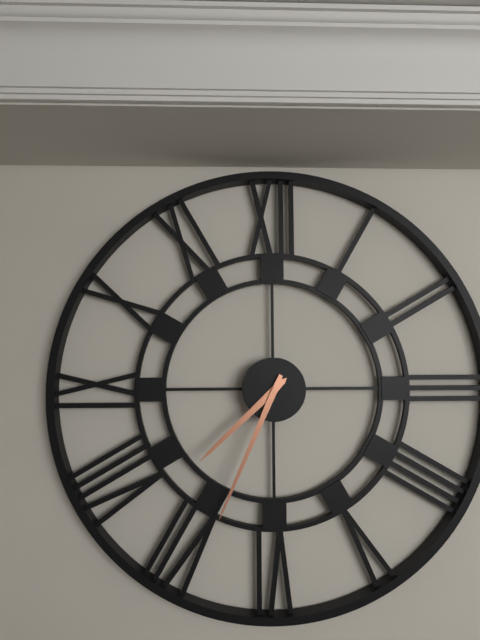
h=7 m=34
